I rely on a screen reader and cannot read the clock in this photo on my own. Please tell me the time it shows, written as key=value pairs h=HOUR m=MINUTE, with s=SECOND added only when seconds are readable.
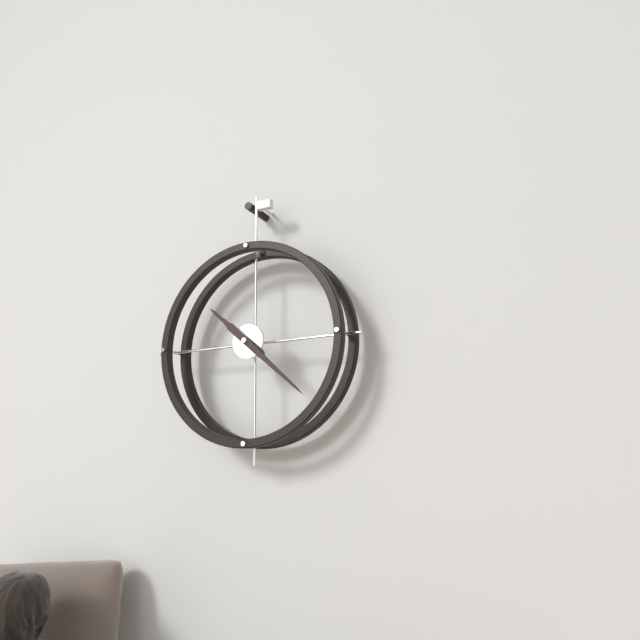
h=10 m=22
